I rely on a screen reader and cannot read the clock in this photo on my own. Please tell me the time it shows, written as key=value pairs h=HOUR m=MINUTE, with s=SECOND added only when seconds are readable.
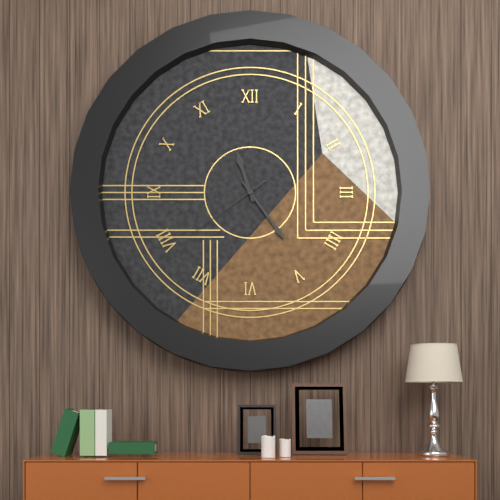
h=11 m=24 s=39
